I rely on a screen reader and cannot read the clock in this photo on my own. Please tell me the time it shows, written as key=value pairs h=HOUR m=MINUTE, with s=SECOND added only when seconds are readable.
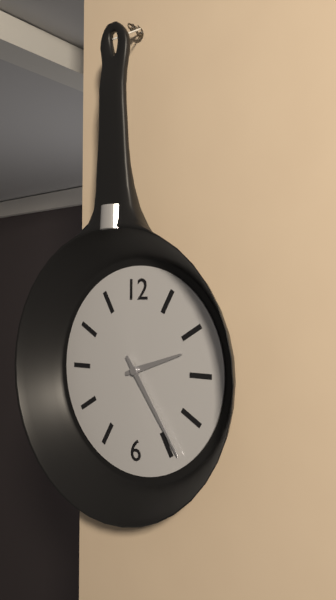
h=2 m=24
